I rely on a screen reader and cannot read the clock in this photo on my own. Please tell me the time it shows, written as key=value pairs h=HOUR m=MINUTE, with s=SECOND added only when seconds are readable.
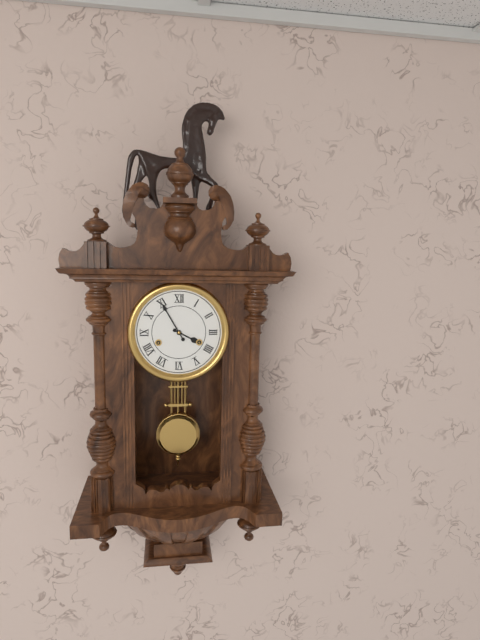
h=3 m=55
